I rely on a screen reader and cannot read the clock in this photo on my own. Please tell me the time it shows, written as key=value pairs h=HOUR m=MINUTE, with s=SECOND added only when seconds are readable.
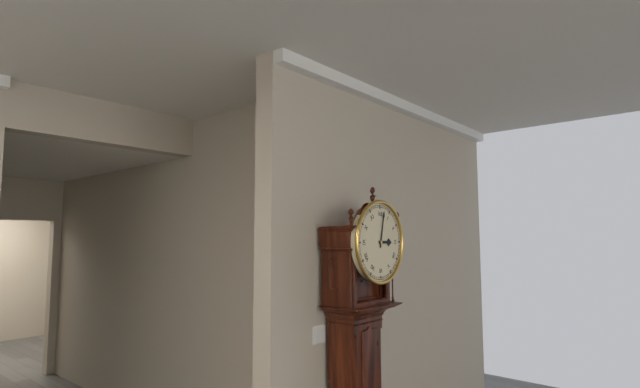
h=3 m=2
